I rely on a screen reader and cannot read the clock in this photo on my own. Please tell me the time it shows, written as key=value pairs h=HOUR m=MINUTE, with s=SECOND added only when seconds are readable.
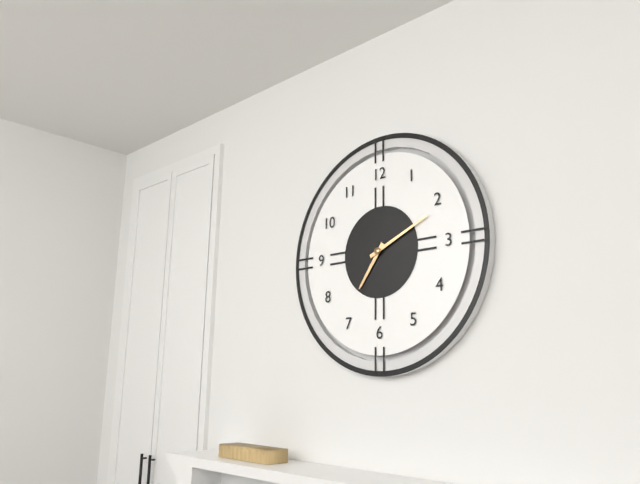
h=7 m=11
